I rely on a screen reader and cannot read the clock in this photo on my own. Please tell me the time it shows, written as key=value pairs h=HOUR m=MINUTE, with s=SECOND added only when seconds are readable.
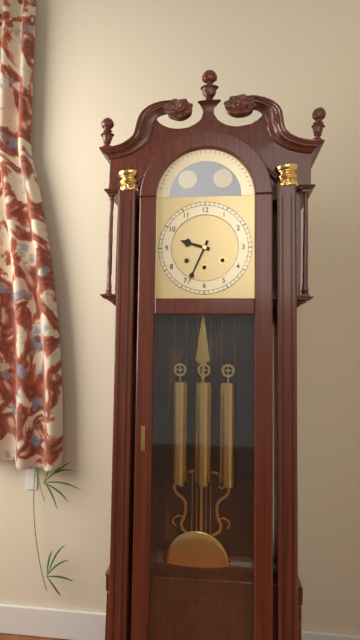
h=9 m=34
